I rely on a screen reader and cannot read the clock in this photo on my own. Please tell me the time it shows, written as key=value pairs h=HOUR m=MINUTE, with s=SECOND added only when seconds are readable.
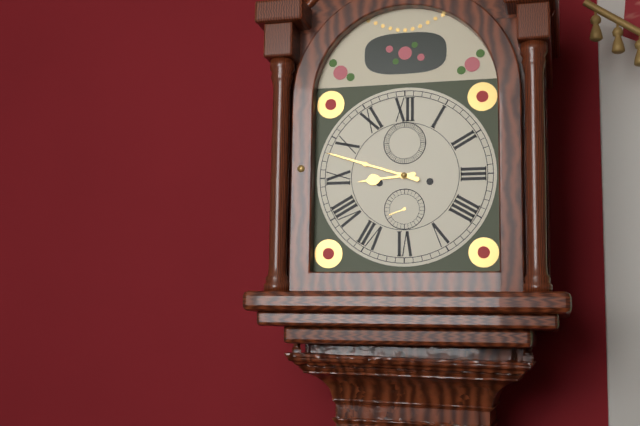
h=8 m=48
